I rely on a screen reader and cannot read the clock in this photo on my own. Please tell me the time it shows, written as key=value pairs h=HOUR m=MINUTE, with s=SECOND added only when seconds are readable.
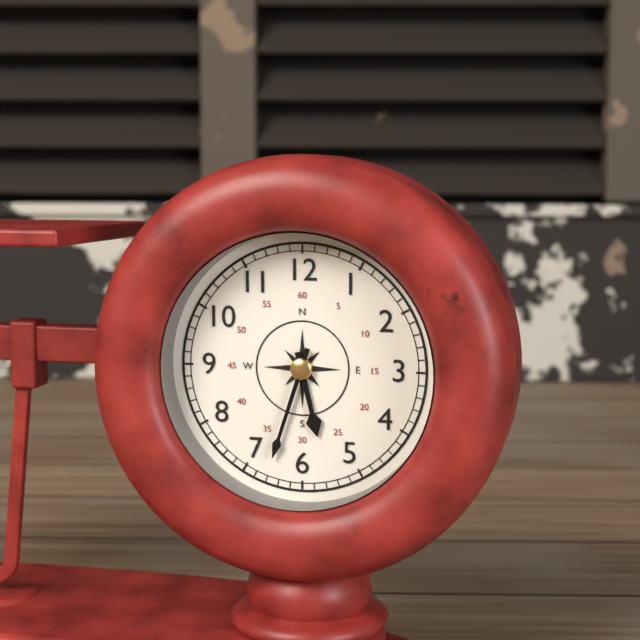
h=5 m=33
